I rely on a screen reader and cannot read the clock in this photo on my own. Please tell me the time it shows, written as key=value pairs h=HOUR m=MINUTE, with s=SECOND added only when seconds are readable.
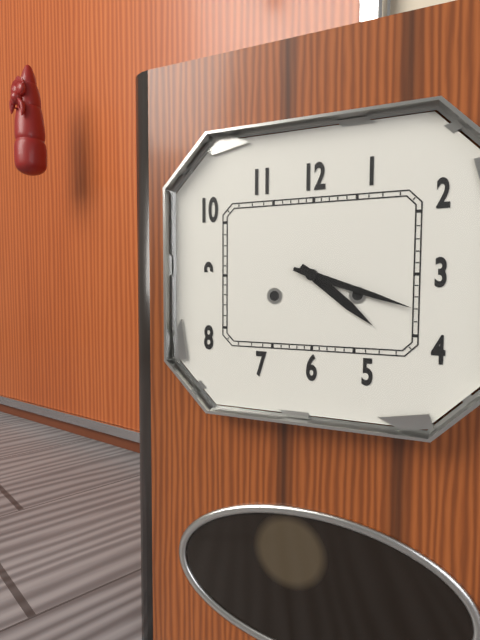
h=4 m=18
